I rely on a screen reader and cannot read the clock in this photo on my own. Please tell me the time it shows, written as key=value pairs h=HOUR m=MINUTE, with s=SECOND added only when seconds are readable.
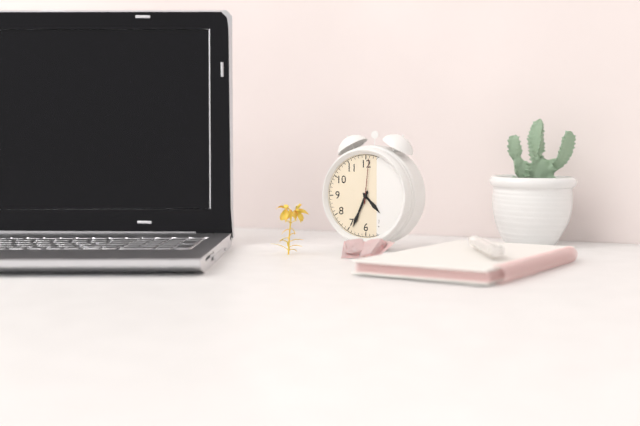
h=4 m=34
